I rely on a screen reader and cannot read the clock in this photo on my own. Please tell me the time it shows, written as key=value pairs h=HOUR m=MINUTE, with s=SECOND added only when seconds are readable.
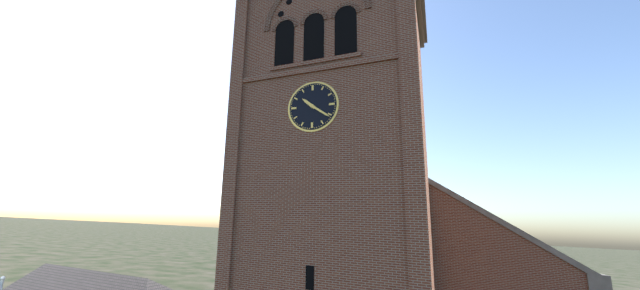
h=10 m=21
